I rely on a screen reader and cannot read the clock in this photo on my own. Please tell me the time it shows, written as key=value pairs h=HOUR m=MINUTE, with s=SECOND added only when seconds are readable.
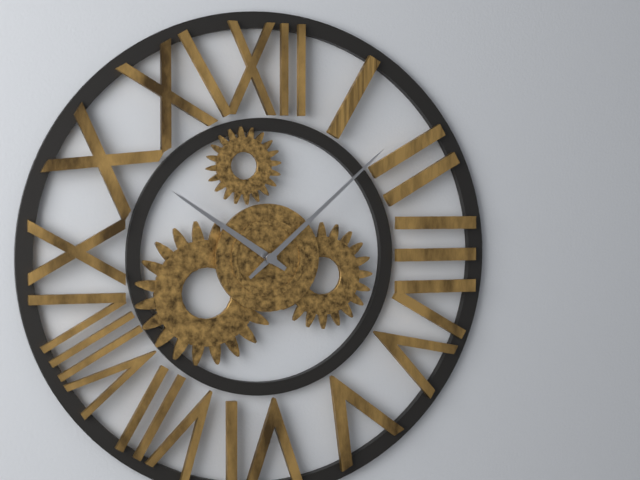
h=10 m=8
